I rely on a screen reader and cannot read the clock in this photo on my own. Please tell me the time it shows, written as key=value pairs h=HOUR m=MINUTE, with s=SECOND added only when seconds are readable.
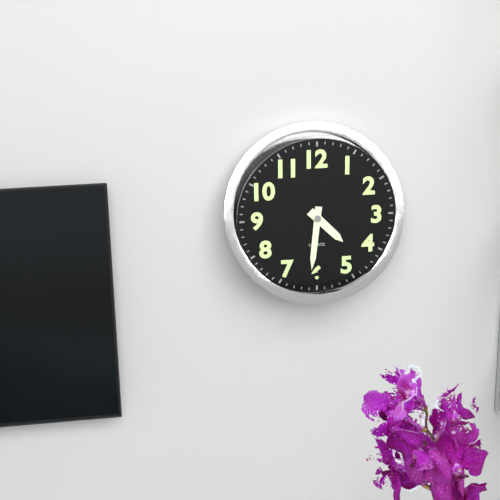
h=4 m=31
